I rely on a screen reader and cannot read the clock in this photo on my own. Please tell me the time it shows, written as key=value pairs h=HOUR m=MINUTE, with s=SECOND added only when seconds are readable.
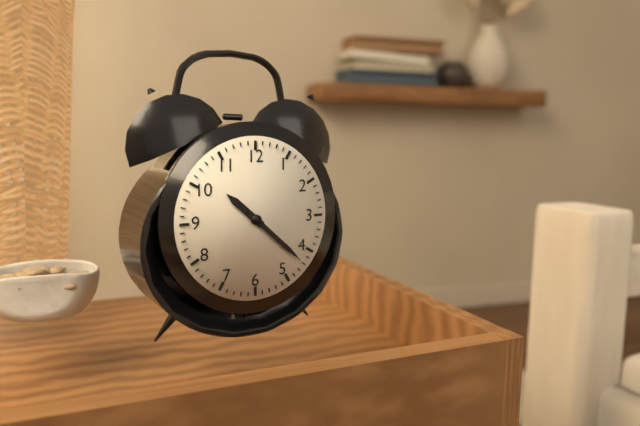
h=10 m=22
